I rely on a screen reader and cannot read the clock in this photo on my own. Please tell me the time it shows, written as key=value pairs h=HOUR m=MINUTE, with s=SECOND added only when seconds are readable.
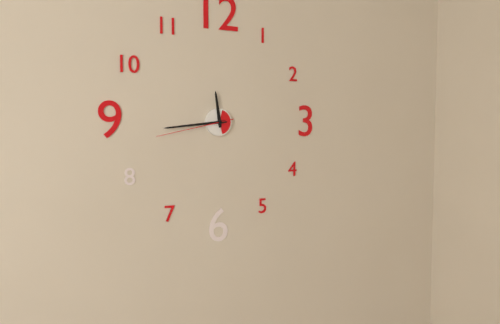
h=11 m=44 s=43
